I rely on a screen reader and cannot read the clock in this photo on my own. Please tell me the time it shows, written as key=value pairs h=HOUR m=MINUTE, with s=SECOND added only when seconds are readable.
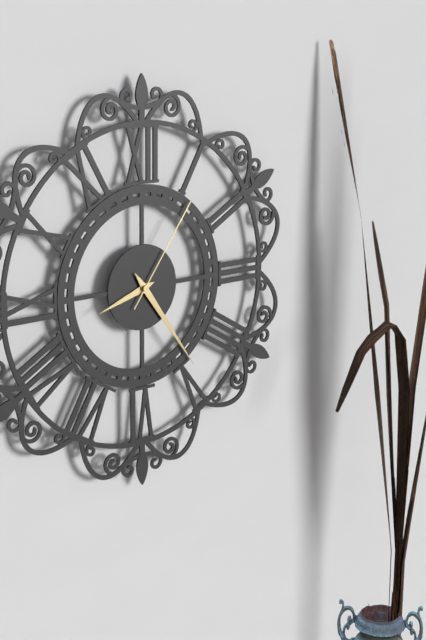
h=8 m=24 s=6
